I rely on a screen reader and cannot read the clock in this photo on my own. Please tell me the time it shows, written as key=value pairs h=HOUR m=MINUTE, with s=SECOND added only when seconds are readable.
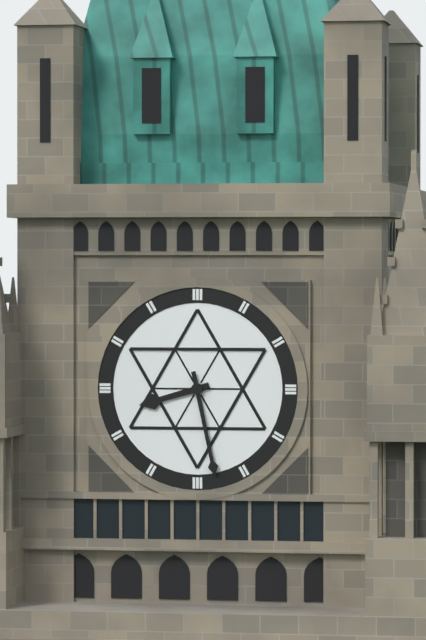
h=8 m=28
